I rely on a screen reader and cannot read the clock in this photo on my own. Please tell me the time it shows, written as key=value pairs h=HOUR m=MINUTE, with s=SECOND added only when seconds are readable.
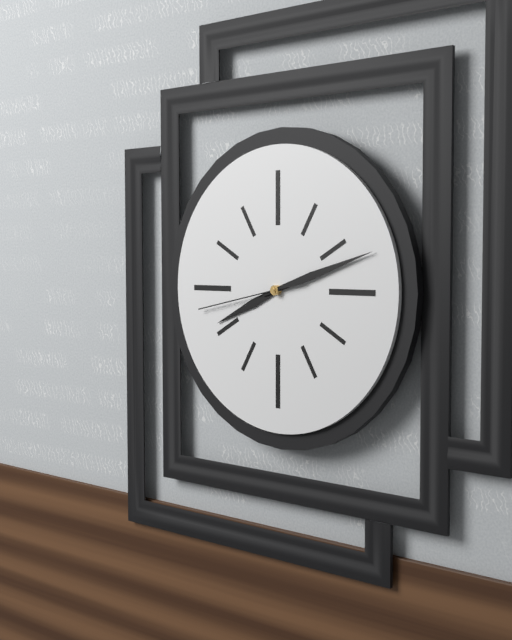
h=8 m=12 s=43
